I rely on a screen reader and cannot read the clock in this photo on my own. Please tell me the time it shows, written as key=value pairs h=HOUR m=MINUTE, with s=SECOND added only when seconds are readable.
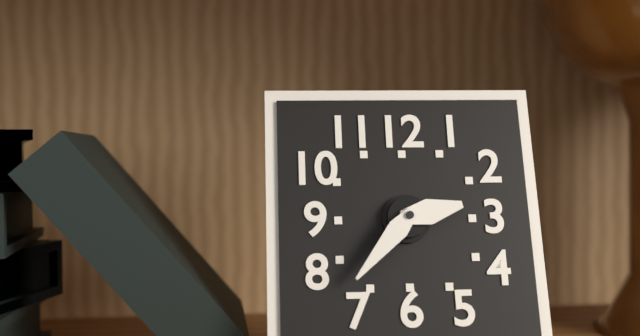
h=2 m=37
